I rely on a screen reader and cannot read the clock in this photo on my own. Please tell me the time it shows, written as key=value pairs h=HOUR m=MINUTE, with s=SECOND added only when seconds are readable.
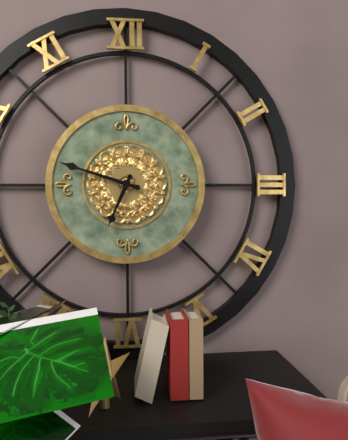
h=6 m=48
